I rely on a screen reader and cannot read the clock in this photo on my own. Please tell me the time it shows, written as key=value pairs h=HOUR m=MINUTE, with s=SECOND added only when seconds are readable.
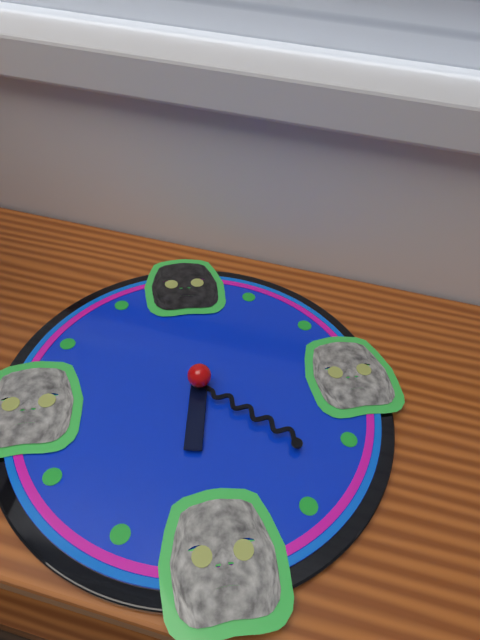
h=6 m=22
